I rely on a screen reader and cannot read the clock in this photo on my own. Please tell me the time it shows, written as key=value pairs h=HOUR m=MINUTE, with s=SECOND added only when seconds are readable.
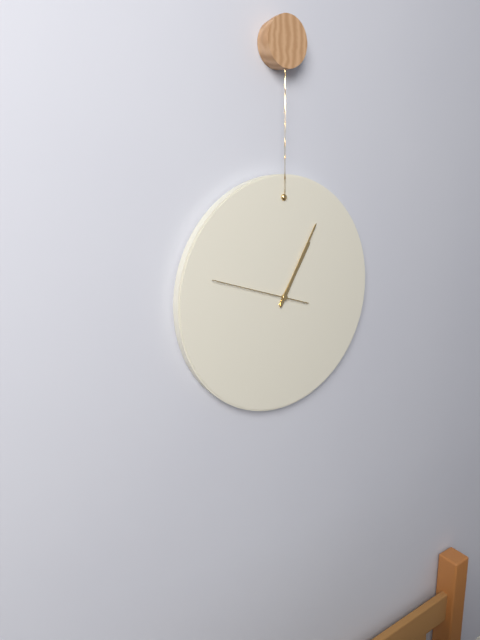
h=1 m=5 s=48
